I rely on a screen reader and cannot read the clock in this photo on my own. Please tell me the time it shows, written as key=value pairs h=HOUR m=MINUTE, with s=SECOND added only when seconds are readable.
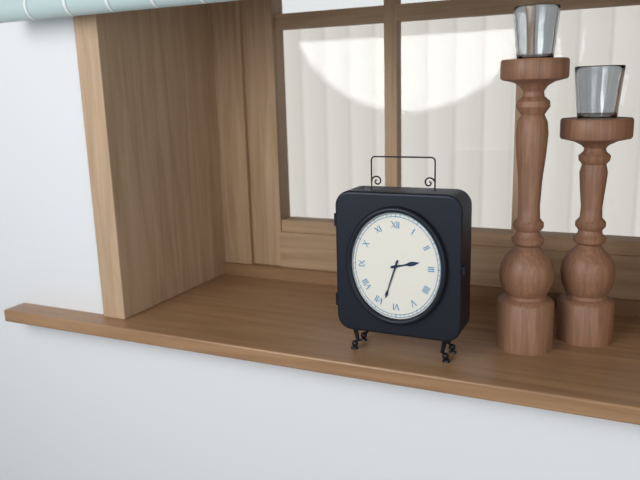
h=2 m=33
